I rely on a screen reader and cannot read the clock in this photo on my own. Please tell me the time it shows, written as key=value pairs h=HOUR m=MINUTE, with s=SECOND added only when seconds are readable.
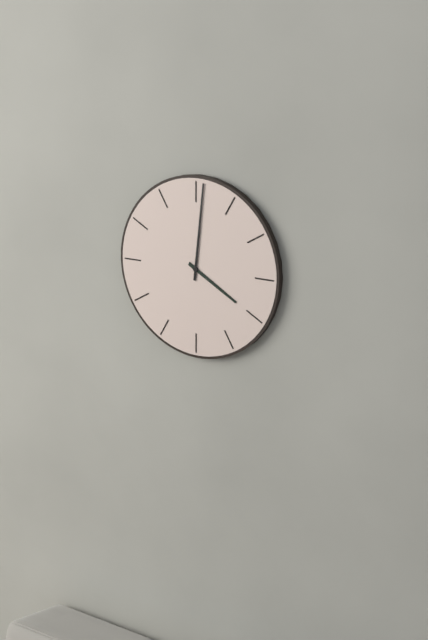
h=4 m=1
